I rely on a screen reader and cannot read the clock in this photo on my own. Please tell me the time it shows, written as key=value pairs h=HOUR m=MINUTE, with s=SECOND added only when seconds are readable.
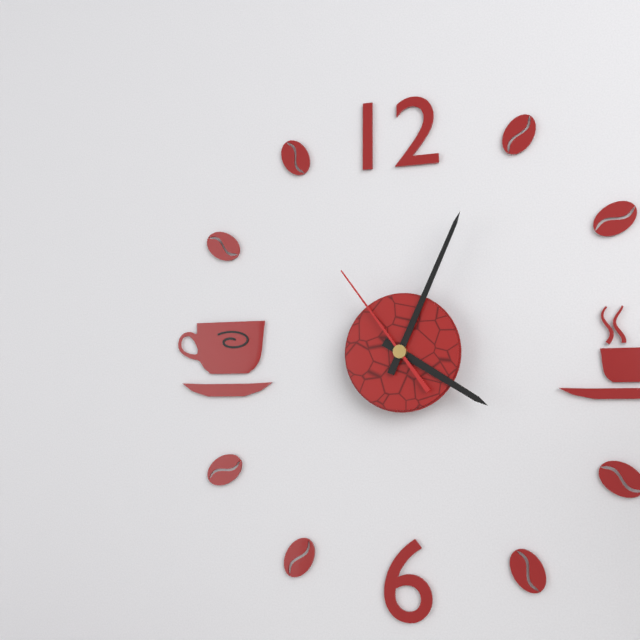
h=4 m=4 s=54
